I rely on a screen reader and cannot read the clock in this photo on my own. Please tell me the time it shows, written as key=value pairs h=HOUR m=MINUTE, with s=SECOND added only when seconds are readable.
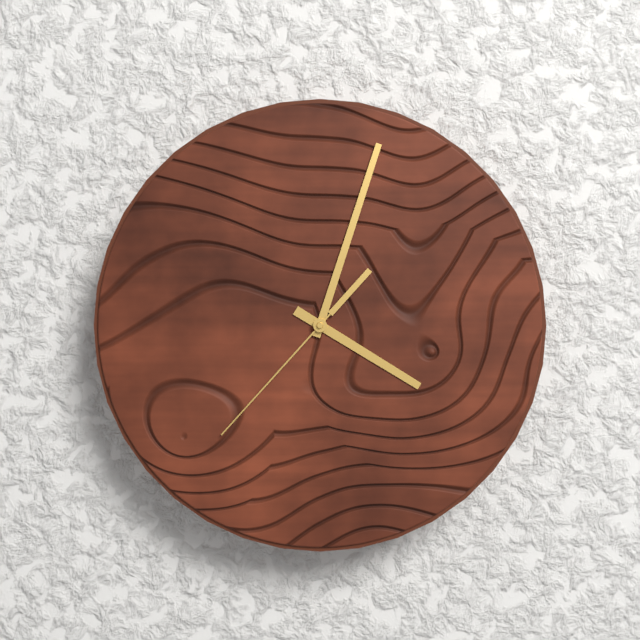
h=4 m=3 s=37
